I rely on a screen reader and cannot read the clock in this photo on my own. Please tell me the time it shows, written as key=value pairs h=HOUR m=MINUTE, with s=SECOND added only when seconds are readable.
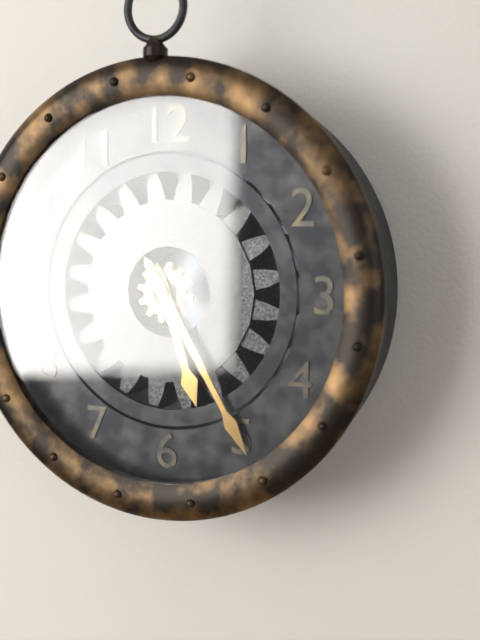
h=5 m=25
